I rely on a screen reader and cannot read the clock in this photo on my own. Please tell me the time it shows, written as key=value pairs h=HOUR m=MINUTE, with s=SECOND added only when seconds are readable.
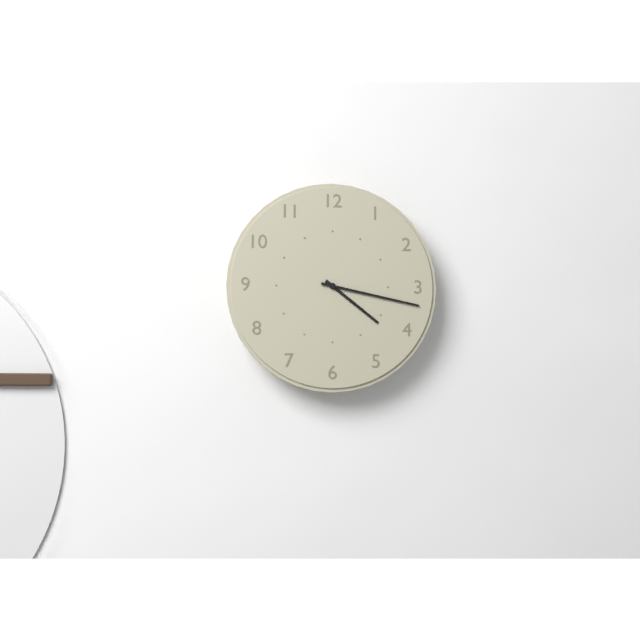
h=4 m=17
